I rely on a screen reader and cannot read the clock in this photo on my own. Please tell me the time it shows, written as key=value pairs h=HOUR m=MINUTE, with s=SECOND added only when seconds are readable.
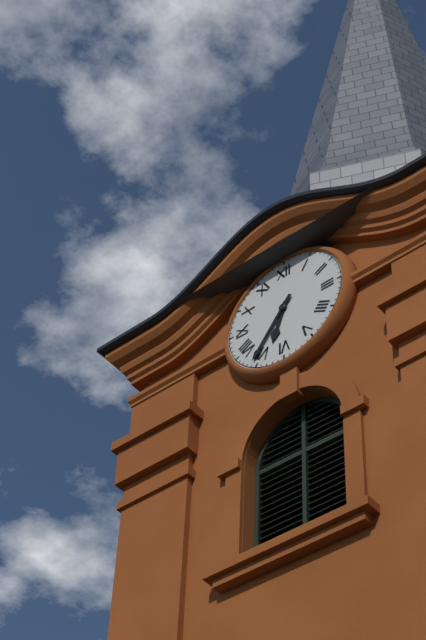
h=6 m=36
